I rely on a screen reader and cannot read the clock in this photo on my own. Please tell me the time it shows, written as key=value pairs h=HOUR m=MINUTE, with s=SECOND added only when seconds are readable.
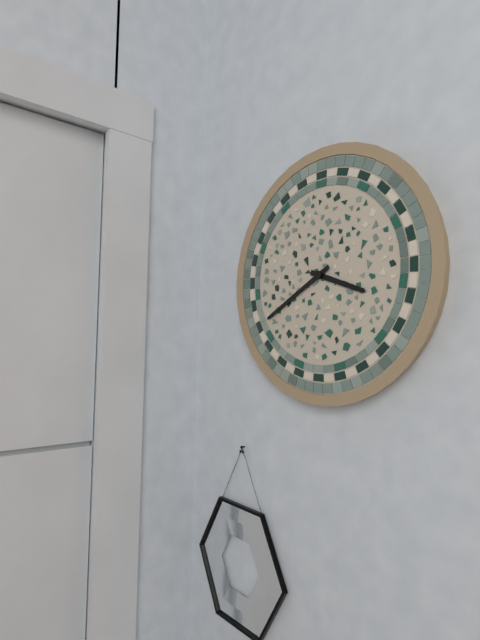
h=3 m=40
